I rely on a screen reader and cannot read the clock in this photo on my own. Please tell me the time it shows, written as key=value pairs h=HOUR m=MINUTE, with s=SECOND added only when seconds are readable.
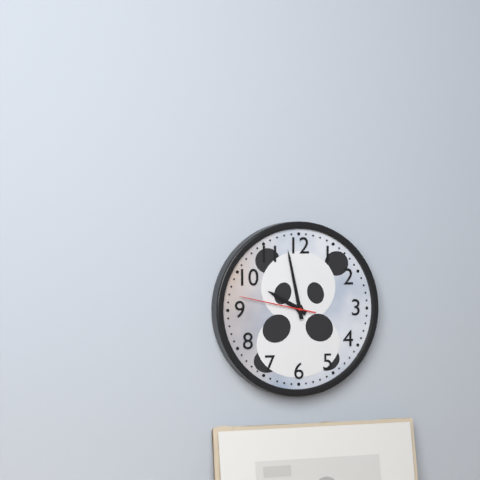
h=9 m=58 s=47
